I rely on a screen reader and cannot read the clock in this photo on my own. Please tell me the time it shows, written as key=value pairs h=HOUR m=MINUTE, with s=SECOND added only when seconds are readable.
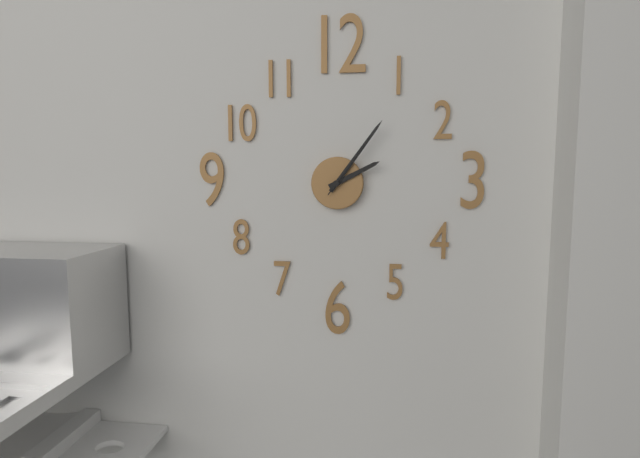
h=2 m=6 s=6
